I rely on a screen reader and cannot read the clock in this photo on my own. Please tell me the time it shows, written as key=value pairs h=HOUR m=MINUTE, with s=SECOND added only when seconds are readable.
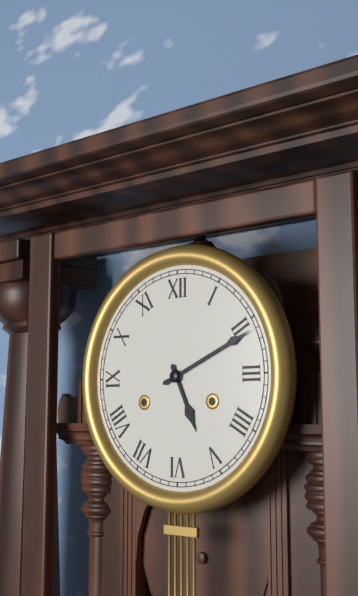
h=5 m=11
